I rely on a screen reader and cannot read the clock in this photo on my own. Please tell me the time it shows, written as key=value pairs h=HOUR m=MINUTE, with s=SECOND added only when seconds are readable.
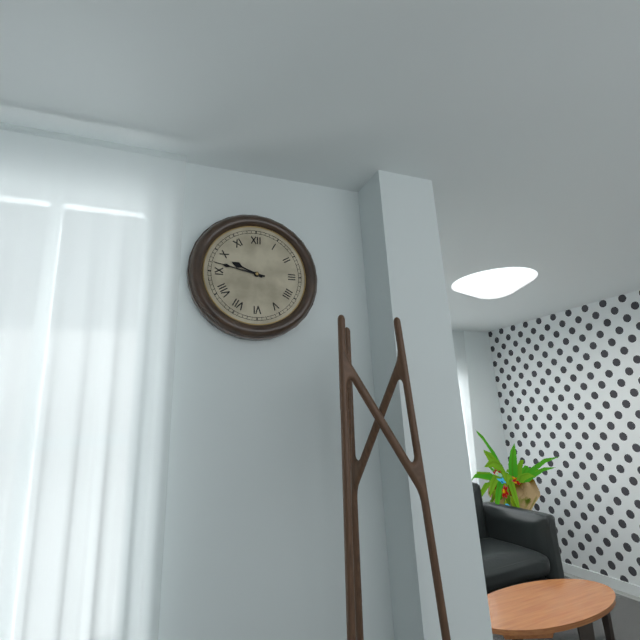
h=9 m=47
